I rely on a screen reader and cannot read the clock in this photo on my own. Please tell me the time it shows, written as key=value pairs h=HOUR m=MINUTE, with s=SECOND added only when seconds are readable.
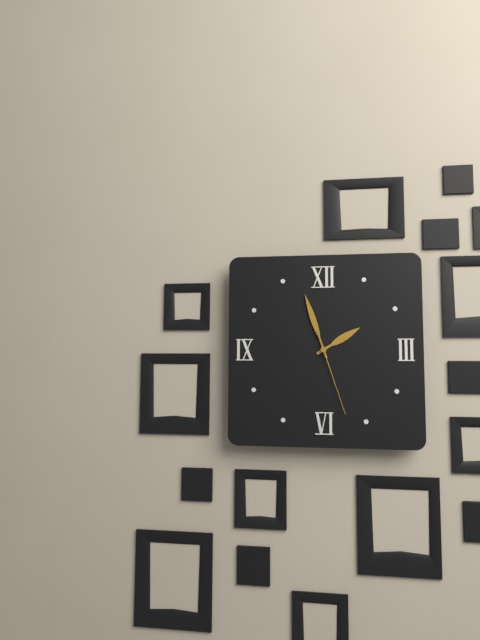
h=1 m=57 s=27
